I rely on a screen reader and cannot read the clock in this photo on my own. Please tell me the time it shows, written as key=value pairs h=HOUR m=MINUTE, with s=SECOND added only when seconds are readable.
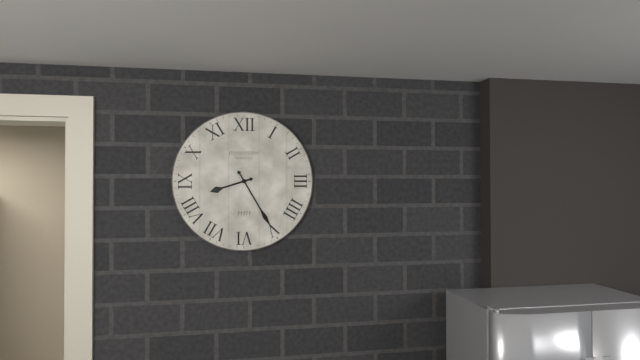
h=8 m=25
